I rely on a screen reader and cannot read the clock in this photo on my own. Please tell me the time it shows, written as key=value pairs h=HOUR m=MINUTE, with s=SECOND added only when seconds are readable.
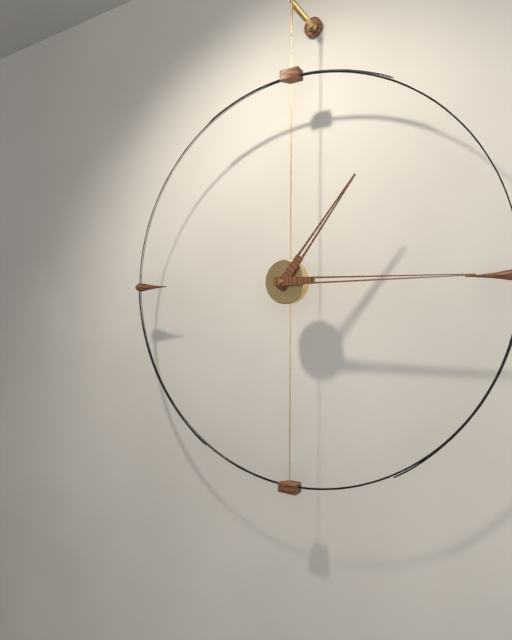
h=1 m=15
